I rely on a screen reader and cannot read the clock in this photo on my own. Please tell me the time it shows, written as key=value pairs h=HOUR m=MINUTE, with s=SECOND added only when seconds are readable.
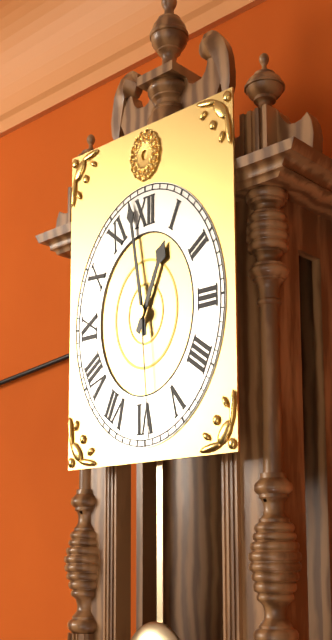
h=12 m=58 s=29
